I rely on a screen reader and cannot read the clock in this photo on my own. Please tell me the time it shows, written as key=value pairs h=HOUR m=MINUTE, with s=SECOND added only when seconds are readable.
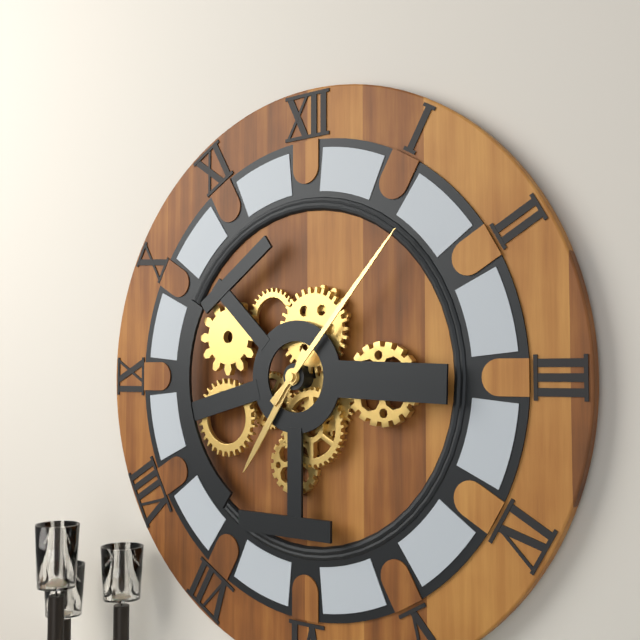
h=7 m=7
